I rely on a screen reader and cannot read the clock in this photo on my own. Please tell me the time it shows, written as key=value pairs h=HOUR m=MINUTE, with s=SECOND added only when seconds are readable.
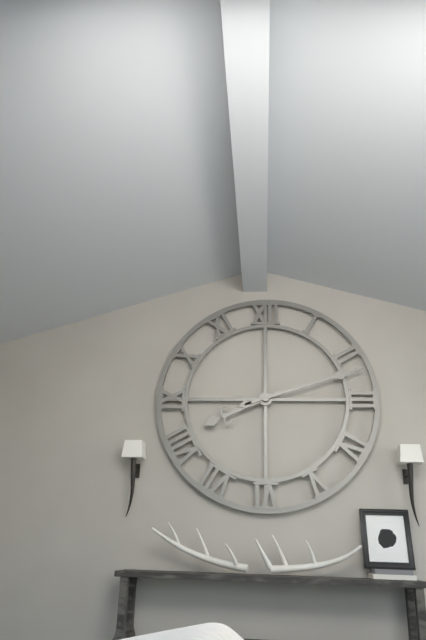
h=8 m=12
